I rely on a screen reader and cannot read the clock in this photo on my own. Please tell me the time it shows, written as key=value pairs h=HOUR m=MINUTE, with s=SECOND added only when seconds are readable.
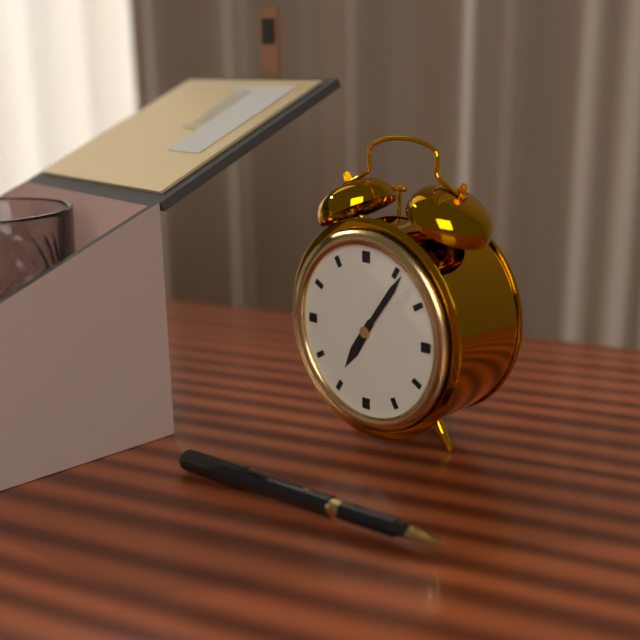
h=7 m=6
